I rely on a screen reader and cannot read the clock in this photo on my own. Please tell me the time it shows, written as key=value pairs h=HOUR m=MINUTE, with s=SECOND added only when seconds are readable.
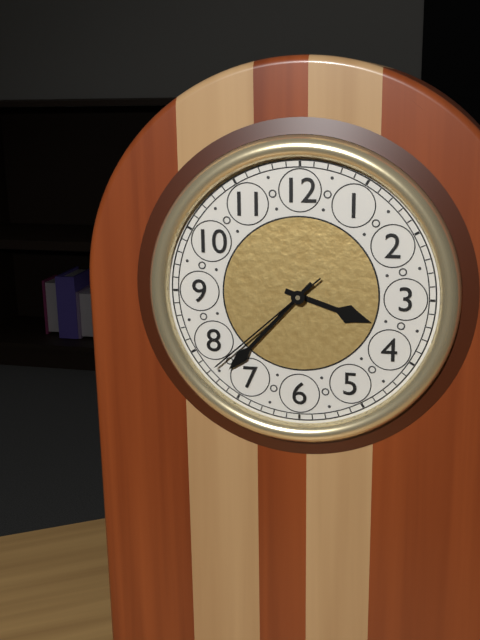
h=3 m=37 s=38
